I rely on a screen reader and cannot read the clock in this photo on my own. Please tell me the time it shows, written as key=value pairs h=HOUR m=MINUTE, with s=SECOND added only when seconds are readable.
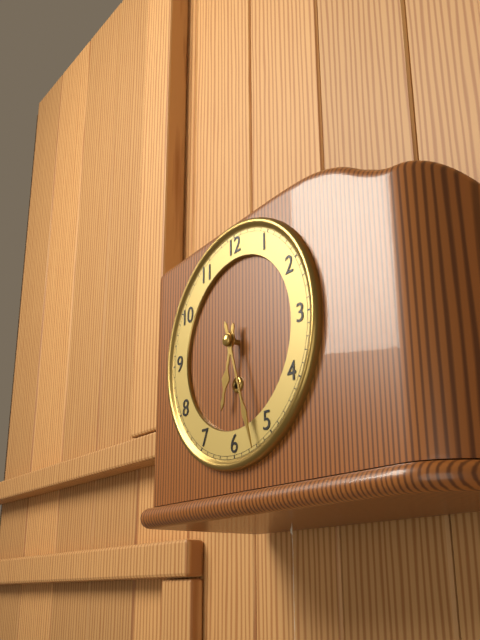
h=6 m=27
